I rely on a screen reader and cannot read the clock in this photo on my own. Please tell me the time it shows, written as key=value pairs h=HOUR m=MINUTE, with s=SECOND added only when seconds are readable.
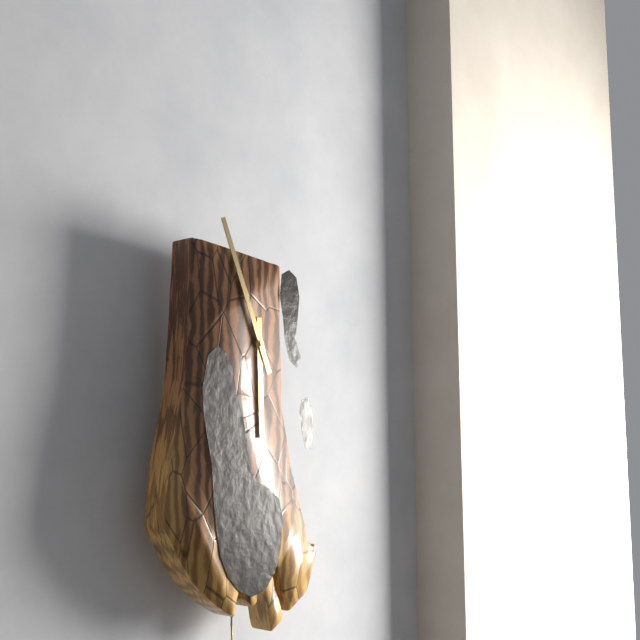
h=5 m=56
